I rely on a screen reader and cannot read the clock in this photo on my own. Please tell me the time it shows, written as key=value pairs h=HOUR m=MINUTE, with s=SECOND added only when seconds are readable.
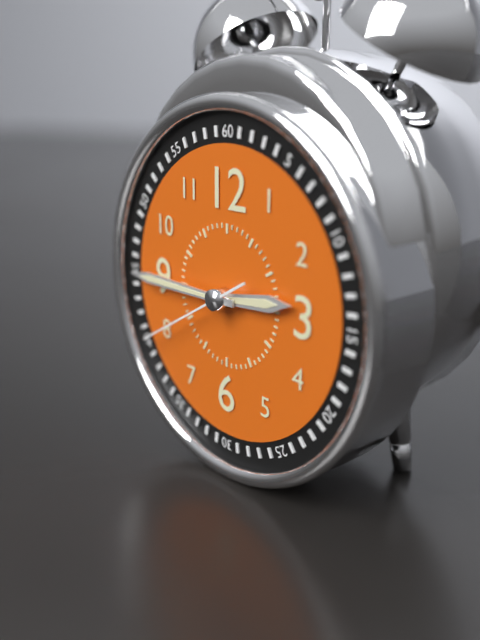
h=2 m=45 s=40
